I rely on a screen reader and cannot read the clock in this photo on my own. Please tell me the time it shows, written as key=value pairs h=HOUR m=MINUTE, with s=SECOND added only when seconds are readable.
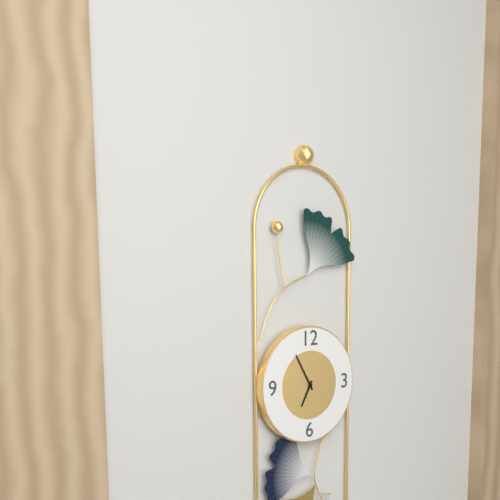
h=6 m=55
